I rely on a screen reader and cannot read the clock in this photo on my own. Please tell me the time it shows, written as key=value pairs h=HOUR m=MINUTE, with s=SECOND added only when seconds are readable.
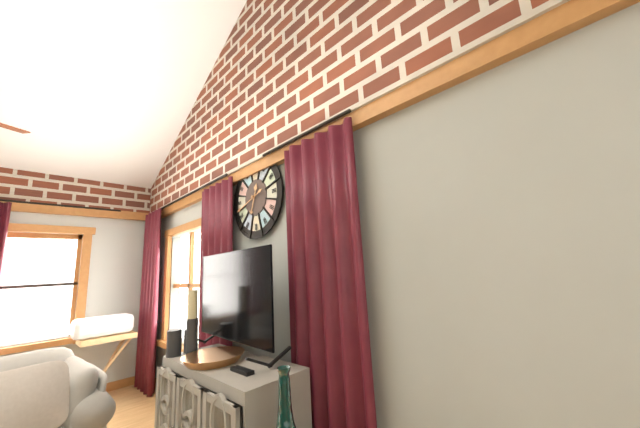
h=6 m=42
